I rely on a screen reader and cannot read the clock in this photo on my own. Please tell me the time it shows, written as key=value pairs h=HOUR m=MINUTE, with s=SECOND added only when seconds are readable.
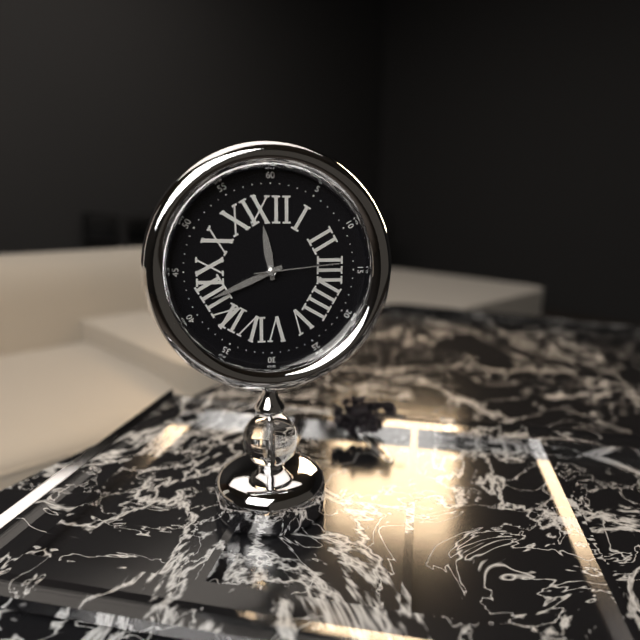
h=11 m=41 s=14
